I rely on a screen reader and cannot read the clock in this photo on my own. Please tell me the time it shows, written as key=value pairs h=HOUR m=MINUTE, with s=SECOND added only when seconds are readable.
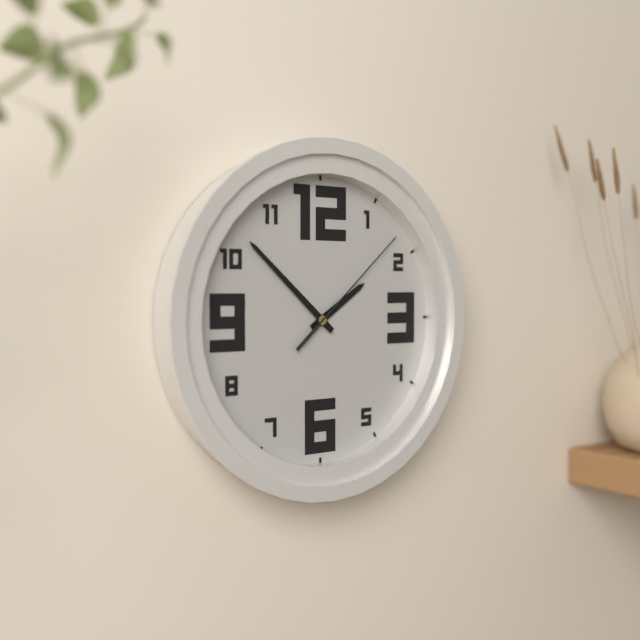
h=1 m=52 s=8
